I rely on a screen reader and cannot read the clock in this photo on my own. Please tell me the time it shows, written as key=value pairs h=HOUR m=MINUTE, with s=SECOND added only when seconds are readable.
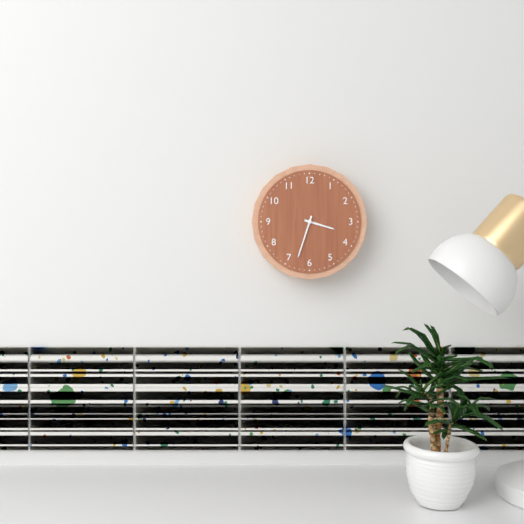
h=3 m=33
